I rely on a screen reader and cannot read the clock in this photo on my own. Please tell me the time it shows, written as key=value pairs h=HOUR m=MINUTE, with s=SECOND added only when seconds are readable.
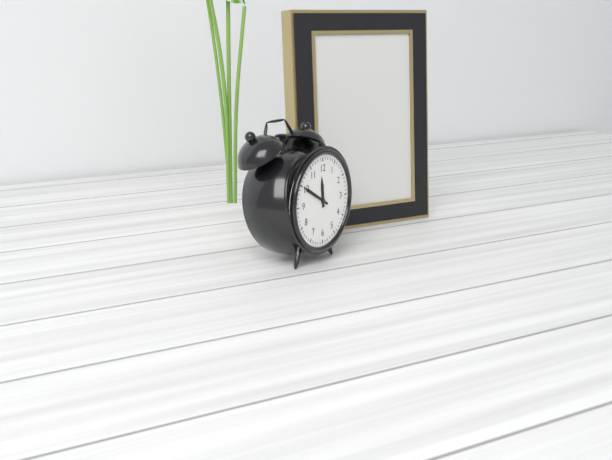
h=11 m=50
